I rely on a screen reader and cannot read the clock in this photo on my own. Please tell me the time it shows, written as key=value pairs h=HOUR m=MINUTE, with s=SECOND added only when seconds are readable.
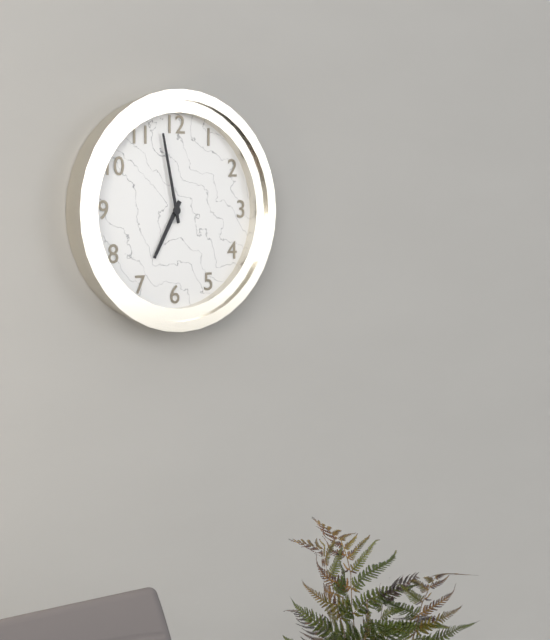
h=6 m=58
